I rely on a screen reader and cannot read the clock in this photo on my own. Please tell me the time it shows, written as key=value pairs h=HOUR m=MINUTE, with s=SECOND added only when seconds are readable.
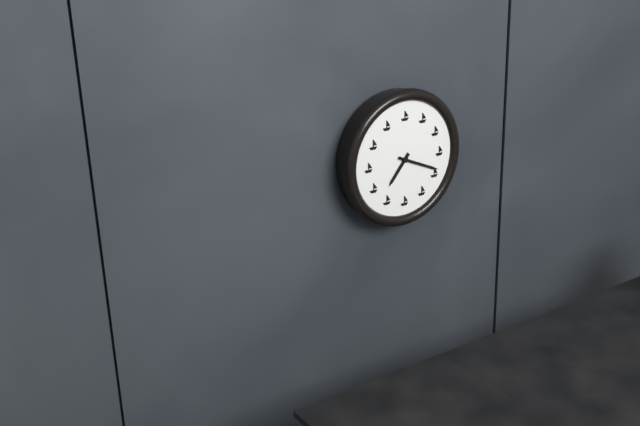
h=7 m=19
